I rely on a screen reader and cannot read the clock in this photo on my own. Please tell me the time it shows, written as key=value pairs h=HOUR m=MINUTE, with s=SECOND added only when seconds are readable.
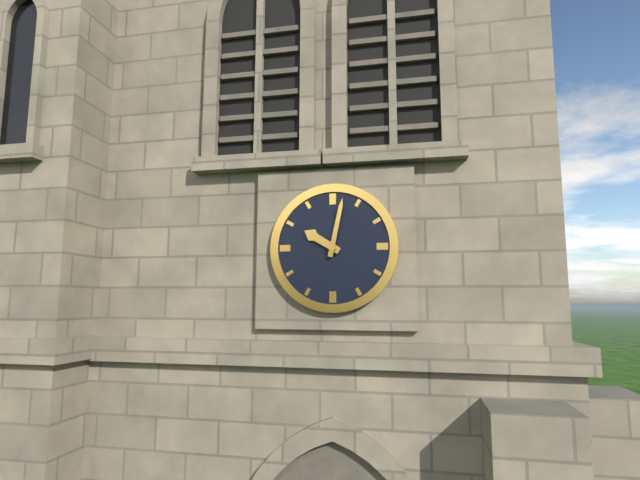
h=10 m=2
